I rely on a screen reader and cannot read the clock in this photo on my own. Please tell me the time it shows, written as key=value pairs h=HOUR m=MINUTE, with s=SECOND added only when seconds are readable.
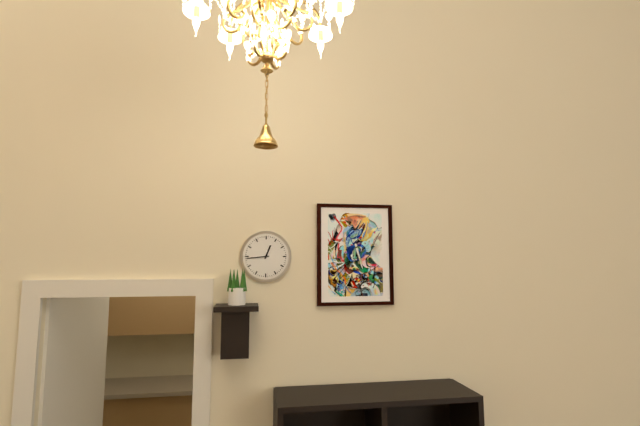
h=12 m=44
